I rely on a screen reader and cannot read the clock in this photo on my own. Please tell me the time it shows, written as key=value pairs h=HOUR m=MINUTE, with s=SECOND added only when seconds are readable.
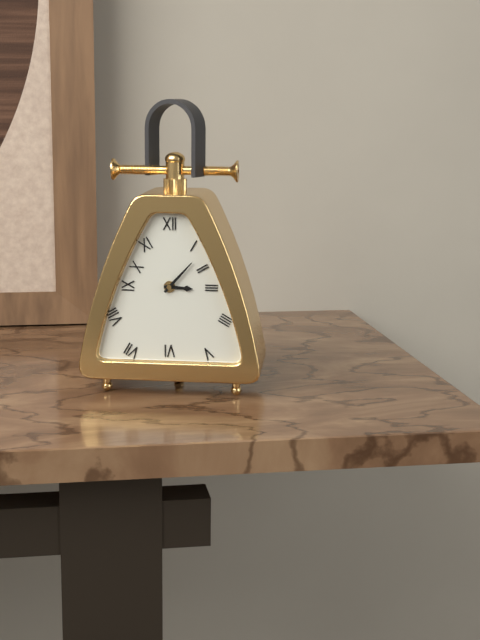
h=3 m=7
